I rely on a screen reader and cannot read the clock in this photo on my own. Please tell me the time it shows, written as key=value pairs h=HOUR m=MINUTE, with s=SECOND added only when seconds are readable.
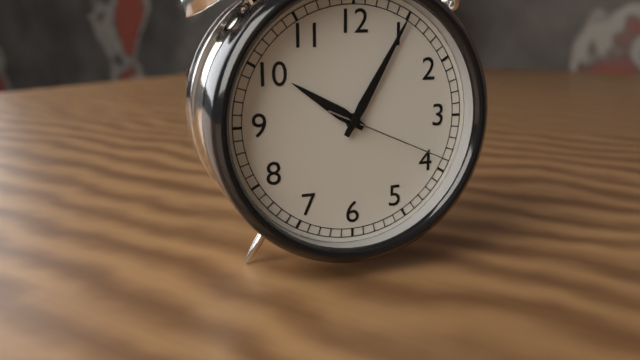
h=10 m=5 s=19
